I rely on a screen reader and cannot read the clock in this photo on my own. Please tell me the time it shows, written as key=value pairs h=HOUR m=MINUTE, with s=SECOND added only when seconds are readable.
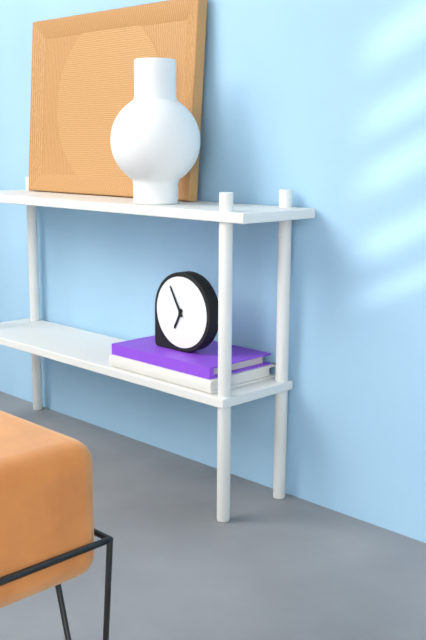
h=6 m=55
